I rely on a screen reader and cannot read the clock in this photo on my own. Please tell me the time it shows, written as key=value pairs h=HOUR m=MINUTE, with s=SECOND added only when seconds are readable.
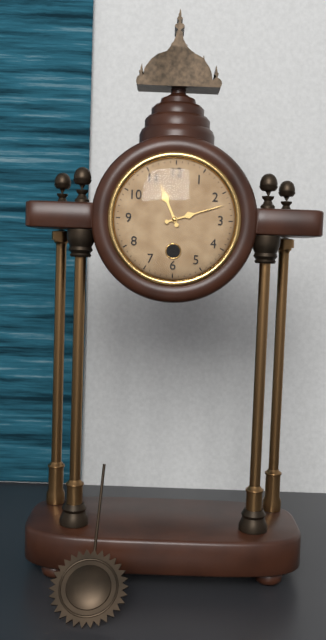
h=11 m=12
